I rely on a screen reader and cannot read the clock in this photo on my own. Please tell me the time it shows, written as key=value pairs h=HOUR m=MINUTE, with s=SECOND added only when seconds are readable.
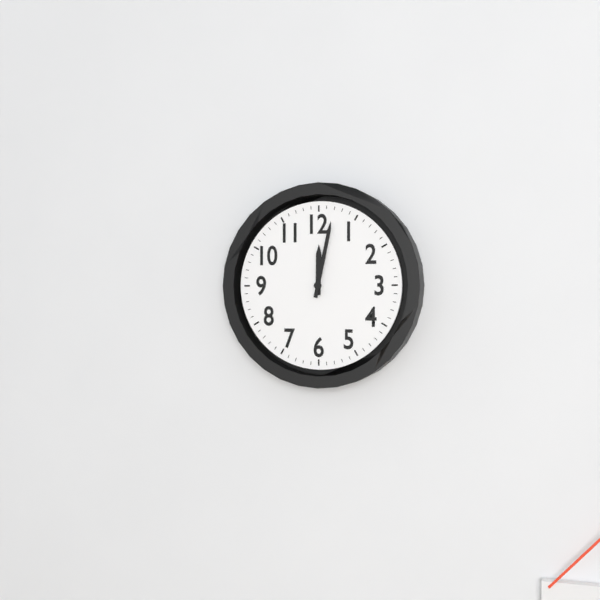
h=12 m=2
